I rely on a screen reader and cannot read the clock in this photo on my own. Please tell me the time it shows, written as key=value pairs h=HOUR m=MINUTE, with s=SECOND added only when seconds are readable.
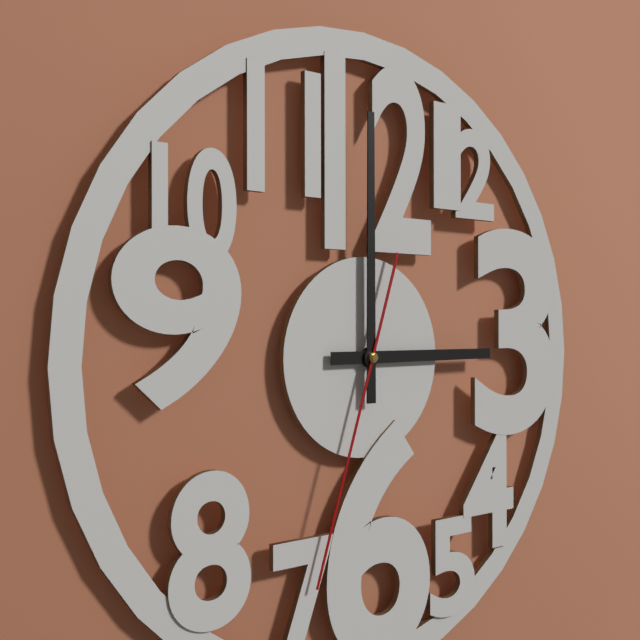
h=3 m=0 s=33
